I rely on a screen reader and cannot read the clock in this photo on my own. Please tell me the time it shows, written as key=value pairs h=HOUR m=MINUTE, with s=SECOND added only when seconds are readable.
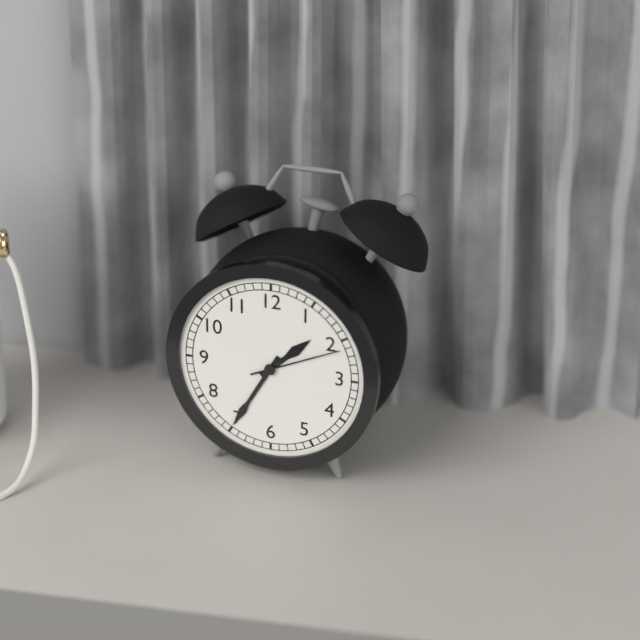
h=1 m=35 s=11
